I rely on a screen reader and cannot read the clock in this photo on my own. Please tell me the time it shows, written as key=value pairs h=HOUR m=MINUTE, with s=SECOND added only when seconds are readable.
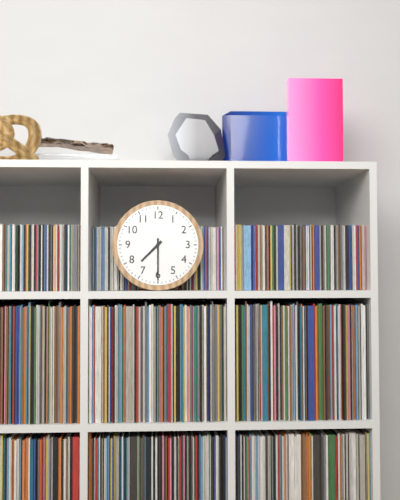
h=7 m=30
